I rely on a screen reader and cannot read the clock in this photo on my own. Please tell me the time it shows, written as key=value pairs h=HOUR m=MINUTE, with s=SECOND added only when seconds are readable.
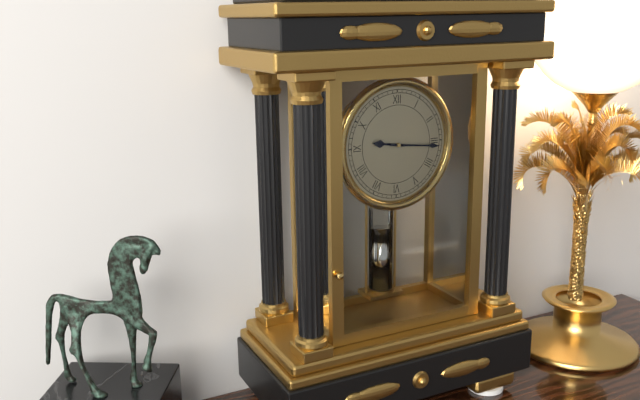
h=9 m=16
